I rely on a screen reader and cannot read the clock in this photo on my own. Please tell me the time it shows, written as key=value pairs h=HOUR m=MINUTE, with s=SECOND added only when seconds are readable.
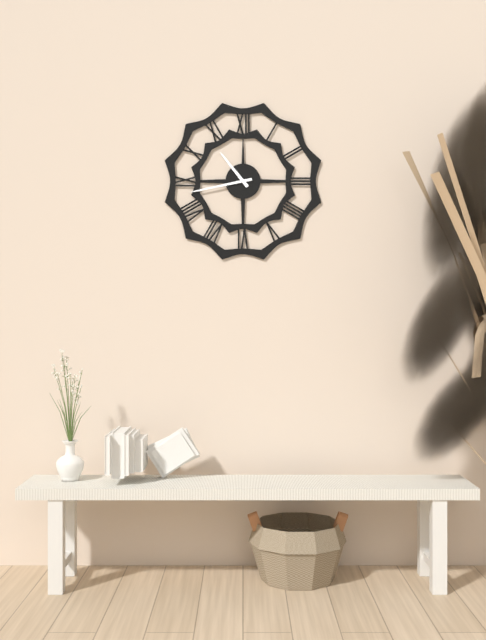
h=10 m=43
